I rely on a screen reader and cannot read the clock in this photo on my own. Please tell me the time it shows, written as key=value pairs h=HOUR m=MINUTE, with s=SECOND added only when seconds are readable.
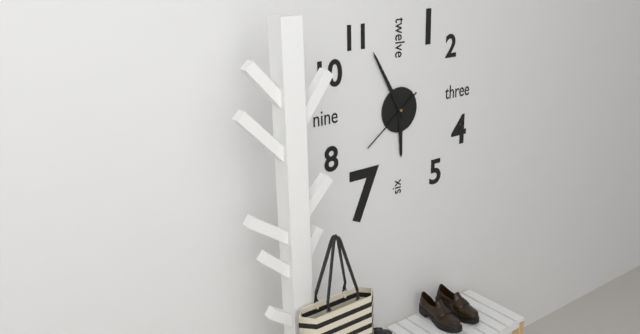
h=5 m=55 s=39
